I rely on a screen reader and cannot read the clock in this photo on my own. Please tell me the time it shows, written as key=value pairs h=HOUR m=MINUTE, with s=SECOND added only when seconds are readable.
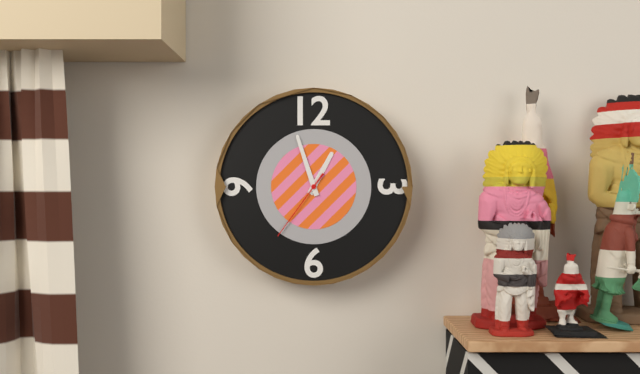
h=12 m=57 s=36
